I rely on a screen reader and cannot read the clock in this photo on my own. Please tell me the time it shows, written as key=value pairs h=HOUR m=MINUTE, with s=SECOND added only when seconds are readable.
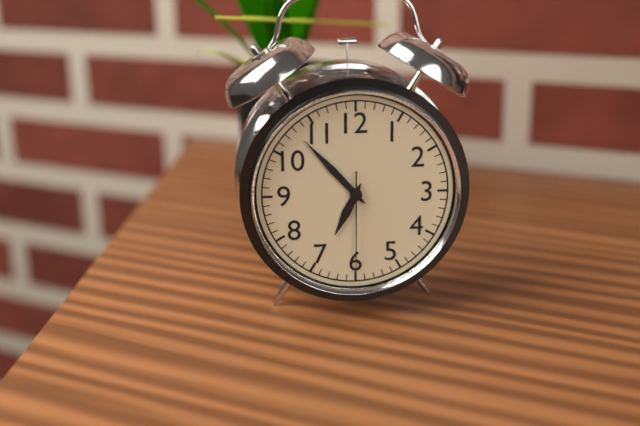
h=6 m=53 s=30
